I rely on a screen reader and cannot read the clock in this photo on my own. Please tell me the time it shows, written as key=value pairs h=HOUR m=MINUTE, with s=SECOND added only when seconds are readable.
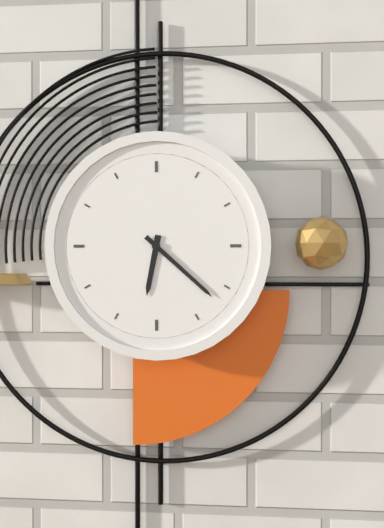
h=6 m=22
